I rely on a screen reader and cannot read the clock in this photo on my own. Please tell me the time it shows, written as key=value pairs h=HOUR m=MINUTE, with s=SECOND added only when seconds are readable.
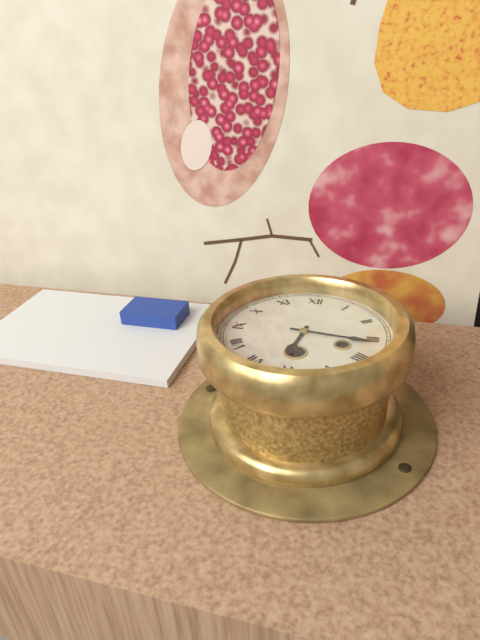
h=6 m=16
